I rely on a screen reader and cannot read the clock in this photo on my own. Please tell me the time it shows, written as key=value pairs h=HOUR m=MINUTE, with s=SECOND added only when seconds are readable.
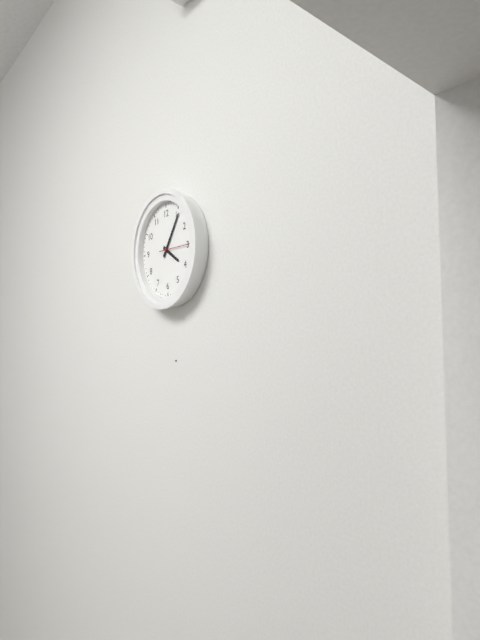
h=4 m=6
